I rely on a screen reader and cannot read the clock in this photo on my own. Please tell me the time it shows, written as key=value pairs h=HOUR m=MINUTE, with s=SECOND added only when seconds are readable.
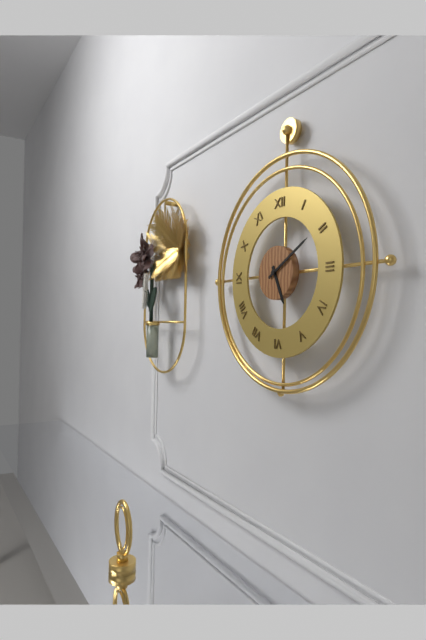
h=5 m=10
